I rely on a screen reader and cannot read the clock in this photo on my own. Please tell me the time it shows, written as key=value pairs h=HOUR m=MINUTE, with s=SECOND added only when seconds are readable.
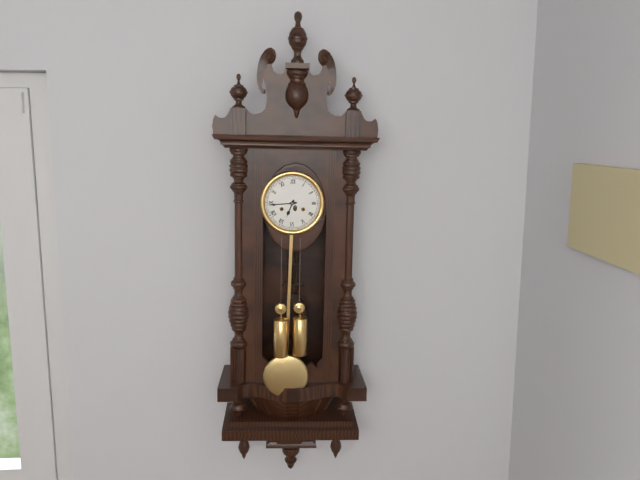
h=6 m=44
